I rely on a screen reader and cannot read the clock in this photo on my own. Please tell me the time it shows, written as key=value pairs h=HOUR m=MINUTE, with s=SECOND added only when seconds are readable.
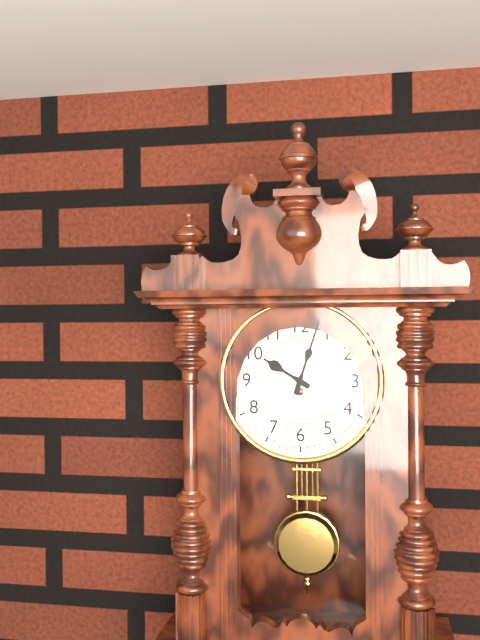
h=10 m=3
